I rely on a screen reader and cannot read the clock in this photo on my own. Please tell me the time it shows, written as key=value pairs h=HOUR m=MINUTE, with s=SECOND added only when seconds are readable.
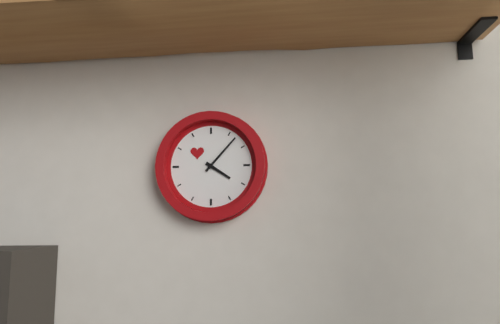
h=4 m=7
